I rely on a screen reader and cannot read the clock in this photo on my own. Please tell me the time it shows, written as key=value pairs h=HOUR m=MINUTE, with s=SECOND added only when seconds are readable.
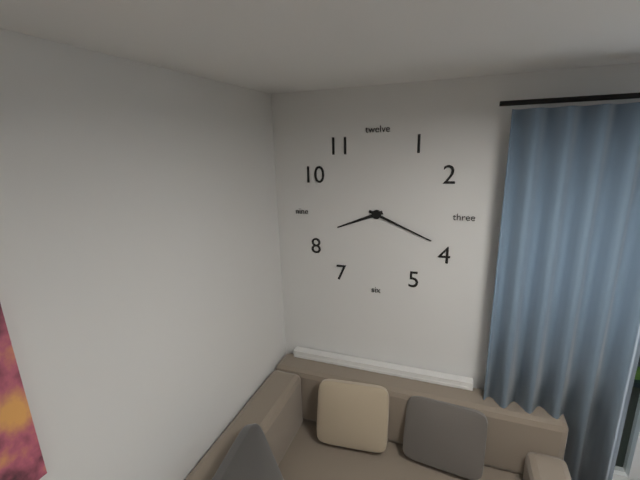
h=8 m=19
